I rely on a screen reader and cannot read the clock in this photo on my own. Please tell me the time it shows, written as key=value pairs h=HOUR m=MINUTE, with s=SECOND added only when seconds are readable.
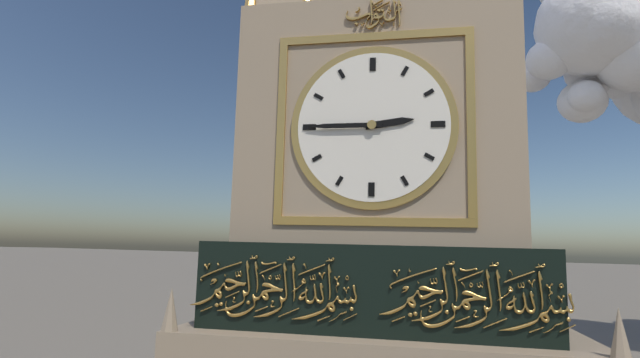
h=2 m=45
